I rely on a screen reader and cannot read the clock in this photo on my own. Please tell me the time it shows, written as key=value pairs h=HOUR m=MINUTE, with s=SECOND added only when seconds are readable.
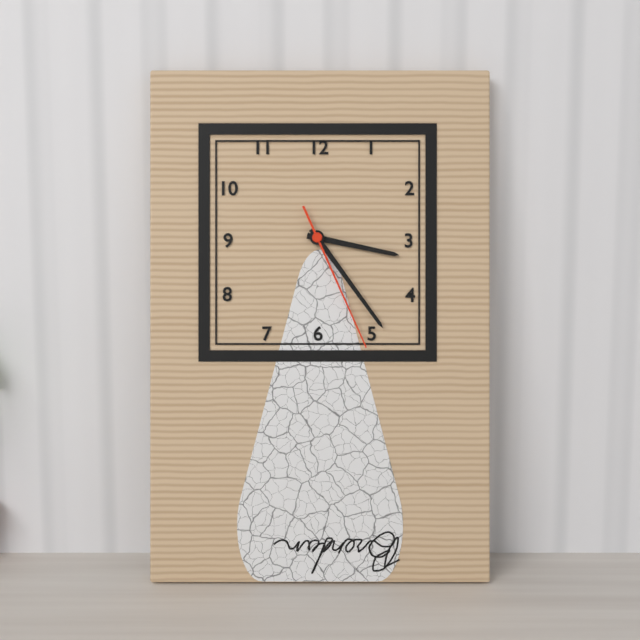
h=3 m=24 s=26
